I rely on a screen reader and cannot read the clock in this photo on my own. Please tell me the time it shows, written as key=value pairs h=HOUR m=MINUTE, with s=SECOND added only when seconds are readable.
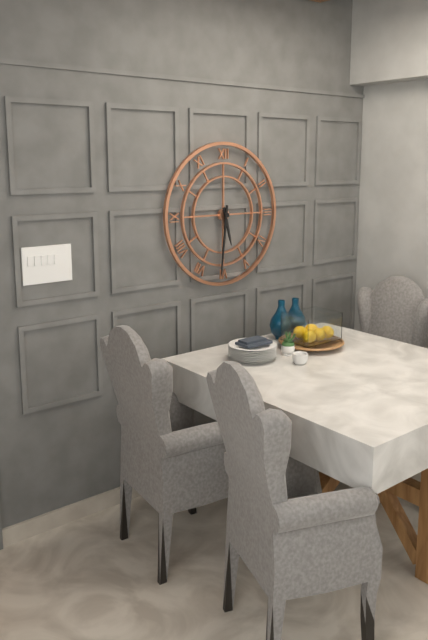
h=5 m=31
